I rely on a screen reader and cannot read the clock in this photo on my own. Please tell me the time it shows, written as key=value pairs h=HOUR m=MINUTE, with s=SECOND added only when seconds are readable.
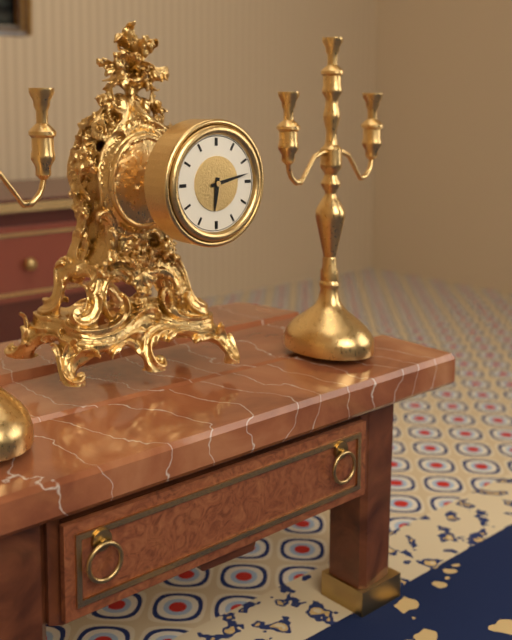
h=6 m=13
